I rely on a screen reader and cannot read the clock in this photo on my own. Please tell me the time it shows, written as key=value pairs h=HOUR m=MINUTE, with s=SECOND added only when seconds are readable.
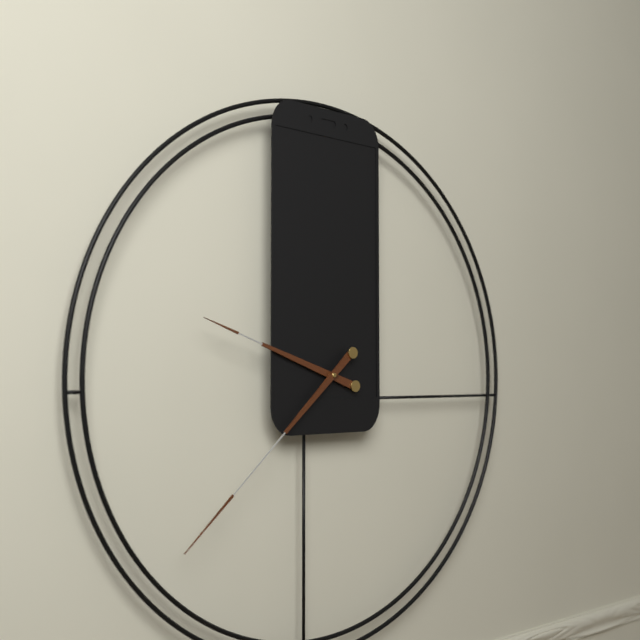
h=9 m=38
